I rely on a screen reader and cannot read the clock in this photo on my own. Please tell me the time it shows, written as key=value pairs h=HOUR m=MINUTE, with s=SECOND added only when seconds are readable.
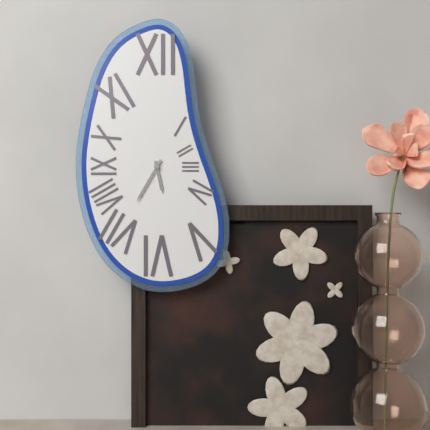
h=5 m=35
